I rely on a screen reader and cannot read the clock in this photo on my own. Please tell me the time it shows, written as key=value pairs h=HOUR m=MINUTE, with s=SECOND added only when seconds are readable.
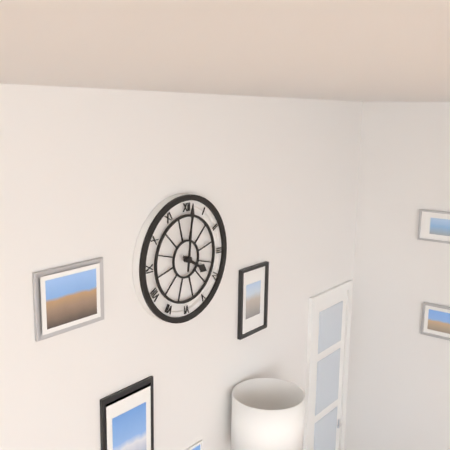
h=4 m=1
